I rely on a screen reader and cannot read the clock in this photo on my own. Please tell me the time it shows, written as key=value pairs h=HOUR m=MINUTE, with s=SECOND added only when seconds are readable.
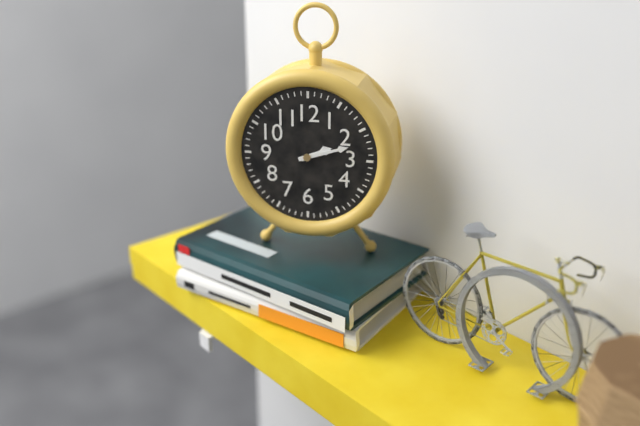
h=2 m=12
